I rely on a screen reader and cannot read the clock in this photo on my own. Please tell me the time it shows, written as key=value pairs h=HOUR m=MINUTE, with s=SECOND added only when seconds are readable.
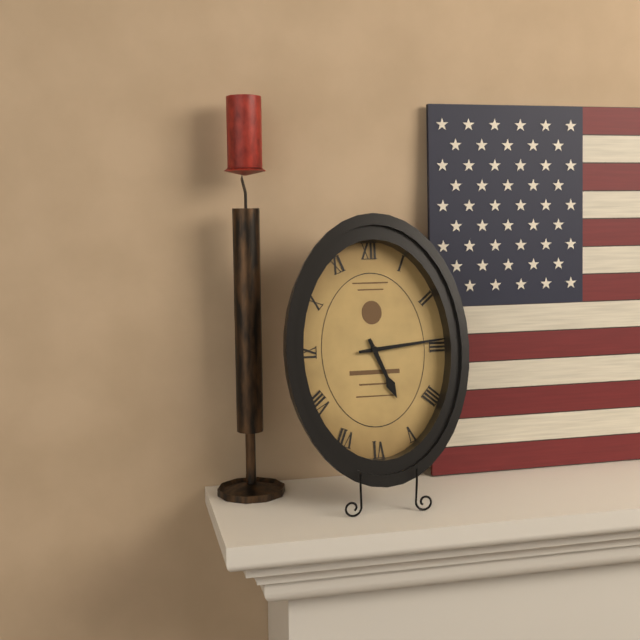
h=5 m=14
